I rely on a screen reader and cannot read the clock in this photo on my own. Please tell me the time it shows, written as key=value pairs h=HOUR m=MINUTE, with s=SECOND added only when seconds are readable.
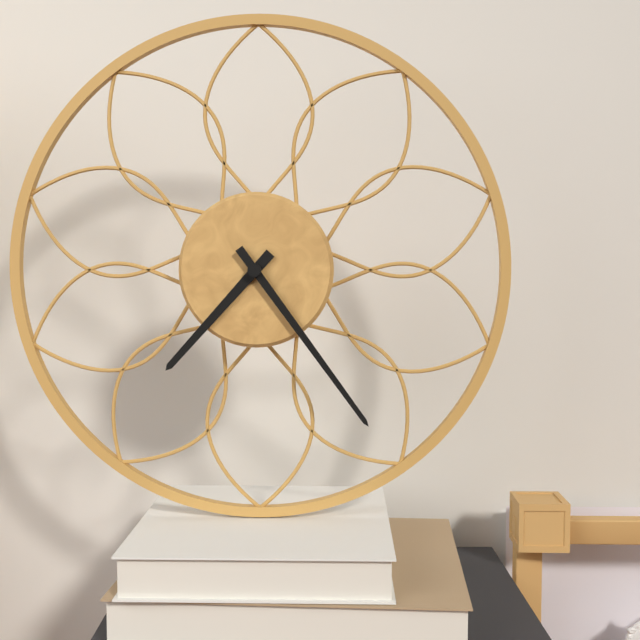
h=7 m=24
